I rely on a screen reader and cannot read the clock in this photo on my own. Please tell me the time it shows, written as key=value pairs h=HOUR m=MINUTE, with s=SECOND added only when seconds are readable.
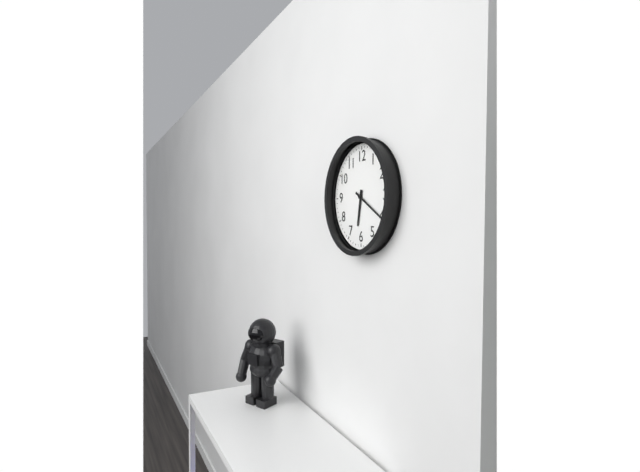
h=6 m=20
